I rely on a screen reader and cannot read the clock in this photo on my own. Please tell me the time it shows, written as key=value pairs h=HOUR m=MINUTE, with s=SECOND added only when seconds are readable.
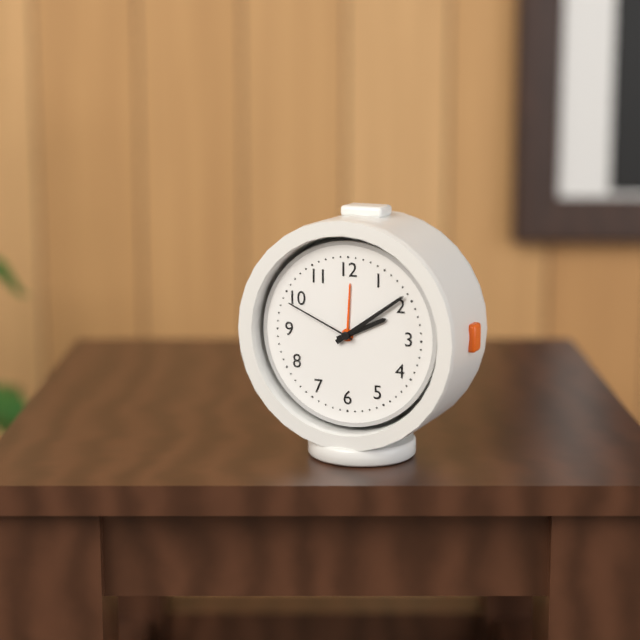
h=2 m=9 s=49
